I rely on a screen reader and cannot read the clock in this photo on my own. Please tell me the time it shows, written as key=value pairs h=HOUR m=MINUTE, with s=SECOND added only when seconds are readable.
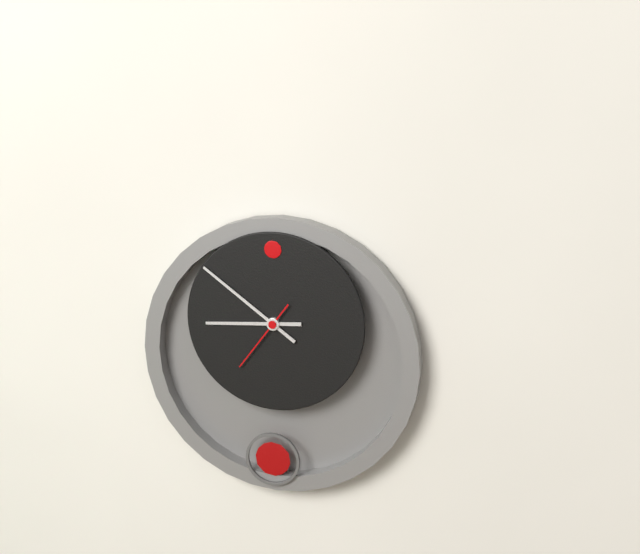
h=8 m=51 s=36
